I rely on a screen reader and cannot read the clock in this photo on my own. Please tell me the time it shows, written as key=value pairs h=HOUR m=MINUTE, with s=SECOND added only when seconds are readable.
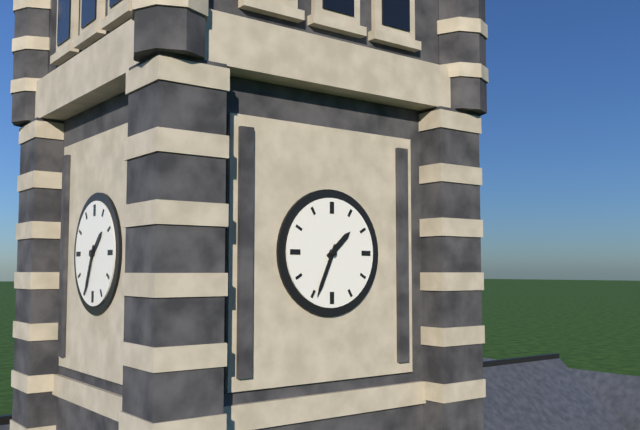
h=1 m=34
